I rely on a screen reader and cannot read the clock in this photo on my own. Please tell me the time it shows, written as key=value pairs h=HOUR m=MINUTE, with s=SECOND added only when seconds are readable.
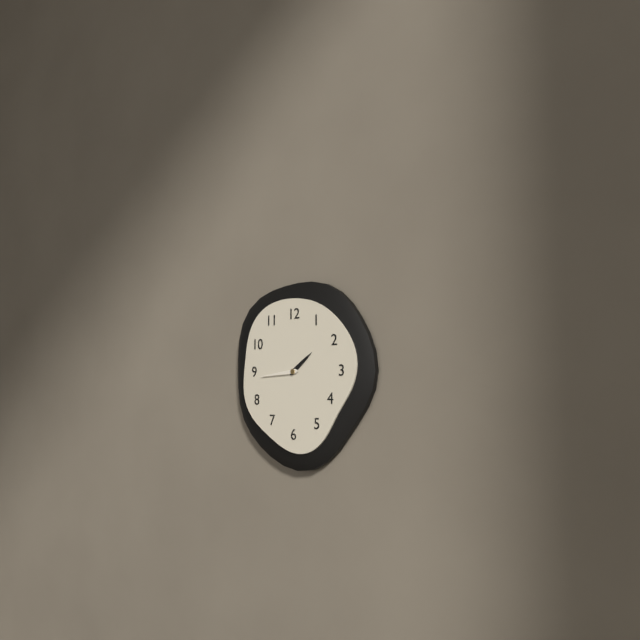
h=1 m=44
